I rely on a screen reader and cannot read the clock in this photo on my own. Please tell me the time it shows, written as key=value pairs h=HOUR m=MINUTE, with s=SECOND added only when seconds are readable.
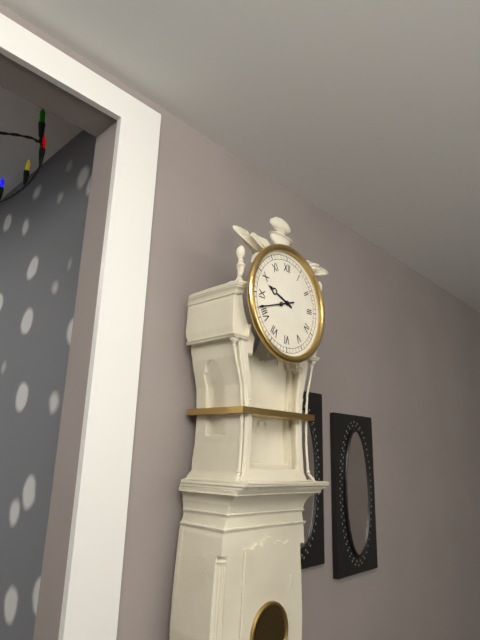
h=9 m=42
